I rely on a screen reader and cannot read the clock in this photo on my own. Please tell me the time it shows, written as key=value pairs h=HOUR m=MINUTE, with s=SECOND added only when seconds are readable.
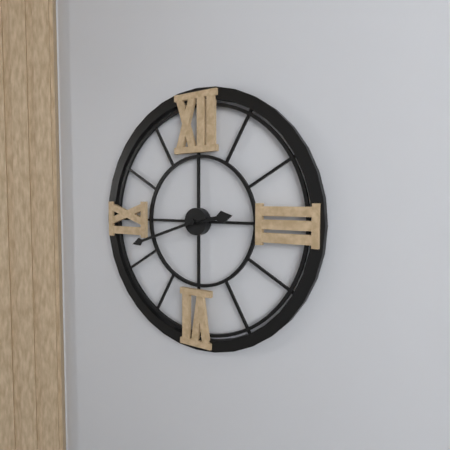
h=2 m=42
